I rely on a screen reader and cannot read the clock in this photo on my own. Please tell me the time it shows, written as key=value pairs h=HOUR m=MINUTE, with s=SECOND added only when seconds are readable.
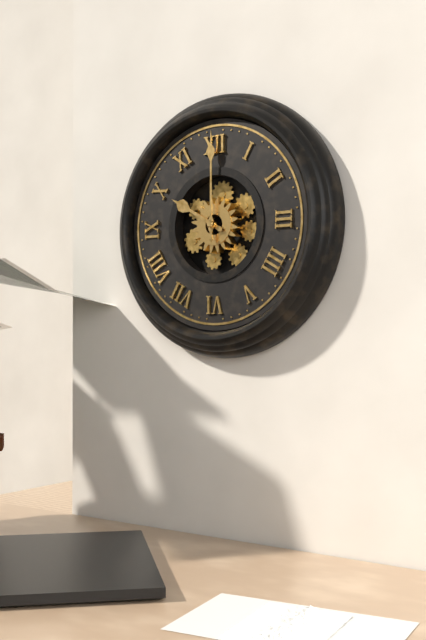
h=10 m=0
